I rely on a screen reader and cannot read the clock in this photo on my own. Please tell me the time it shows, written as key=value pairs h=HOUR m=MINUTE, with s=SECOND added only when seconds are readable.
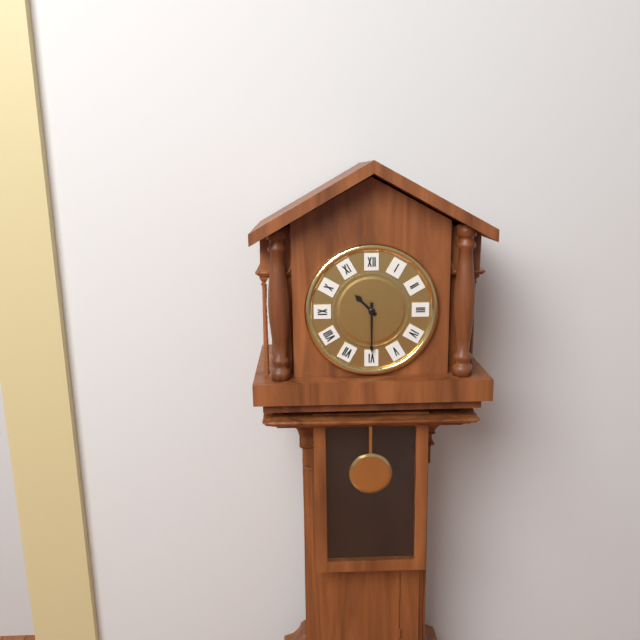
h=10 m=30
